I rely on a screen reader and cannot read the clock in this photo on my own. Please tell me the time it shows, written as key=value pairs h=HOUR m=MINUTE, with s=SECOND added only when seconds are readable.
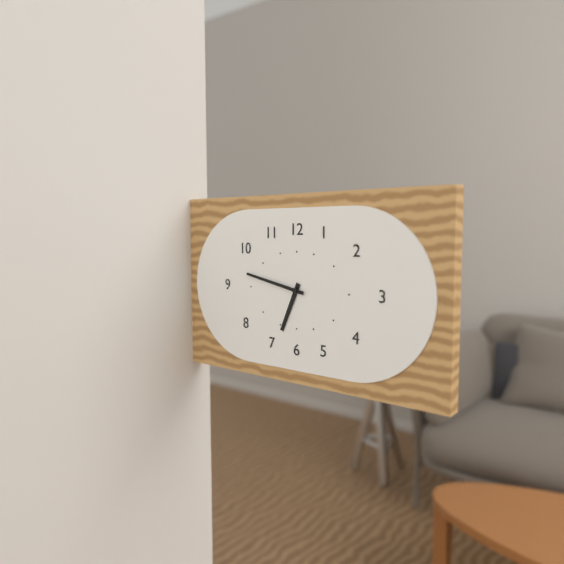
h=6 m=47
